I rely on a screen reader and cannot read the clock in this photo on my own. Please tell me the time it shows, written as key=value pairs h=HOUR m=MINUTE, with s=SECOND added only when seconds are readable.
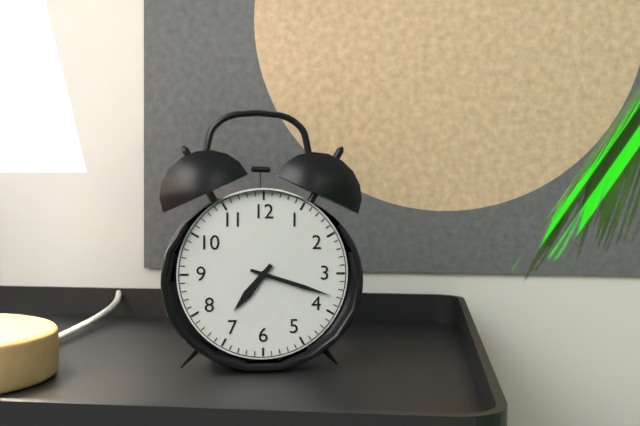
h=7 m=18
